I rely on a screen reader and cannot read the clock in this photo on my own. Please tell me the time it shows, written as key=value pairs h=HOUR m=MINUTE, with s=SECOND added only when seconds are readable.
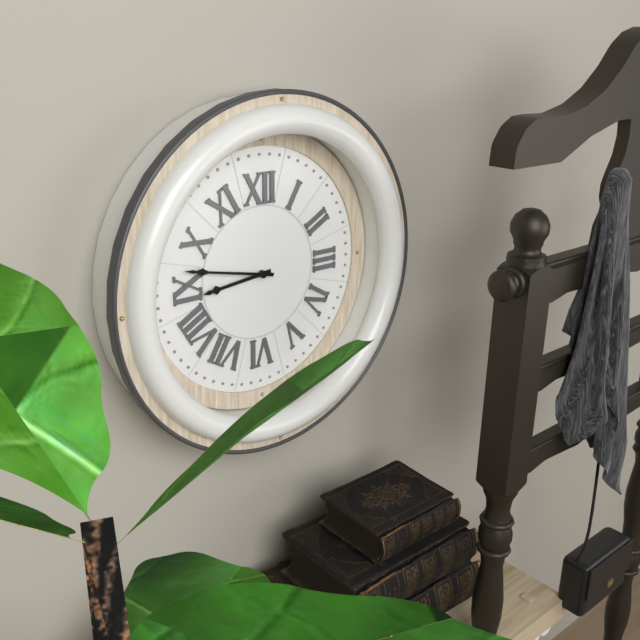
h=8 m=47
